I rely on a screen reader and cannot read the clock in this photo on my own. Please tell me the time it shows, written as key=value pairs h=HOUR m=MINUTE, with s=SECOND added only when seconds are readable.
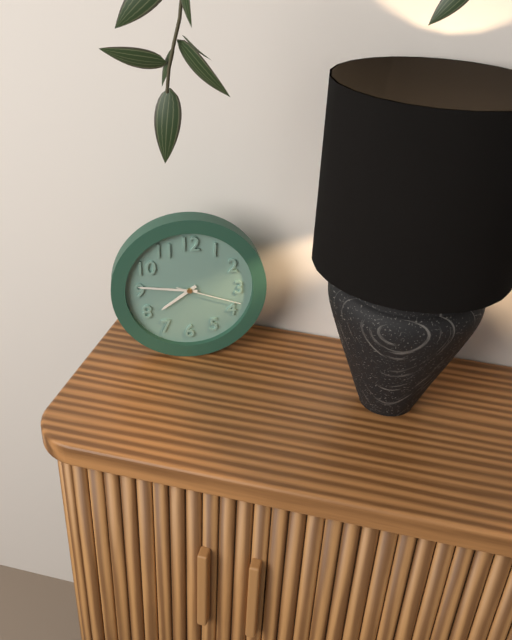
h=7 m=46 s=18
